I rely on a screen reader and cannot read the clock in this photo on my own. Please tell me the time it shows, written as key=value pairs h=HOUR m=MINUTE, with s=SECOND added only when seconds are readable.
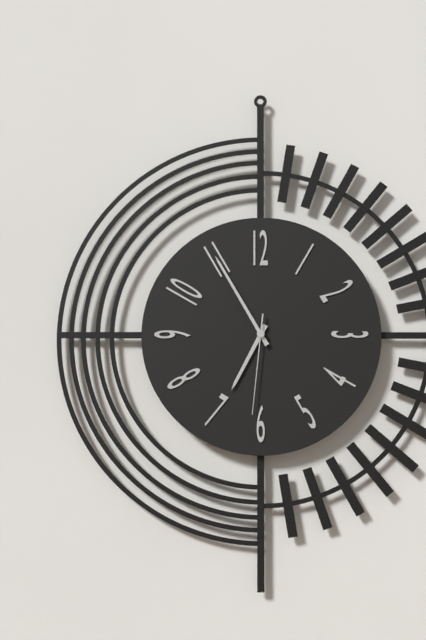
h=6 m=55 s=31
